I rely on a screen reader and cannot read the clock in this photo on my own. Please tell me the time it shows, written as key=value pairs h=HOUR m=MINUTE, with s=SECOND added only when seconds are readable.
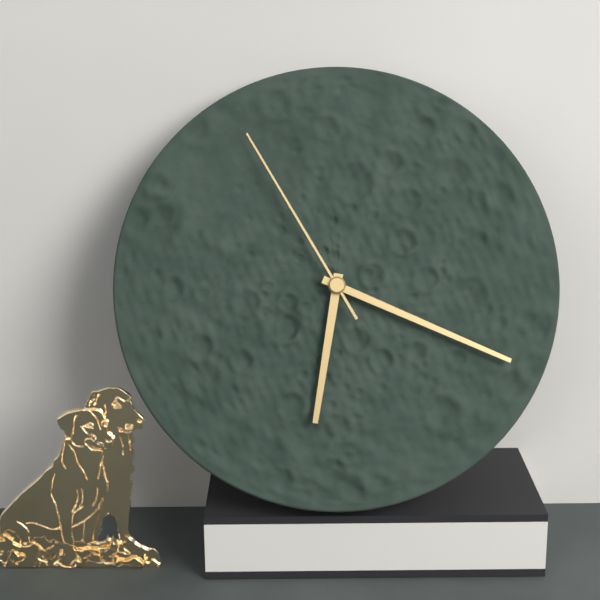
h=6 m=19 s=55
